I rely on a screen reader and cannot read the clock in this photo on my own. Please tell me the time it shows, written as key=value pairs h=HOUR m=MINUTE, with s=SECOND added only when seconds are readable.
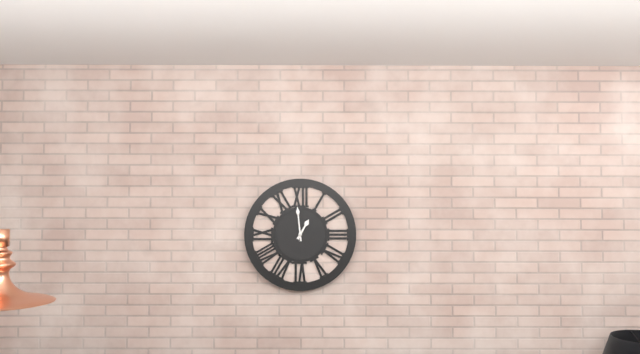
h=12 m=59
